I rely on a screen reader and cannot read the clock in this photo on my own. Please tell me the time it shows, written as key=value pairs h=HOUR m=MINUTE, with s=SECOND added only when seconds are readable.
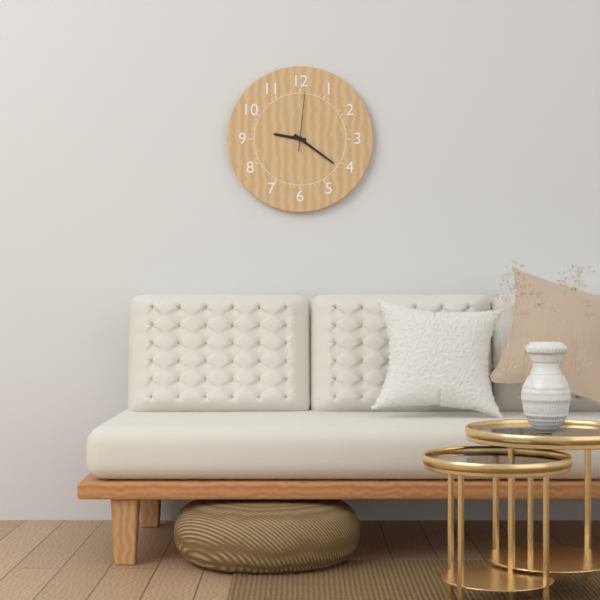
h=9 m=21 s=1
